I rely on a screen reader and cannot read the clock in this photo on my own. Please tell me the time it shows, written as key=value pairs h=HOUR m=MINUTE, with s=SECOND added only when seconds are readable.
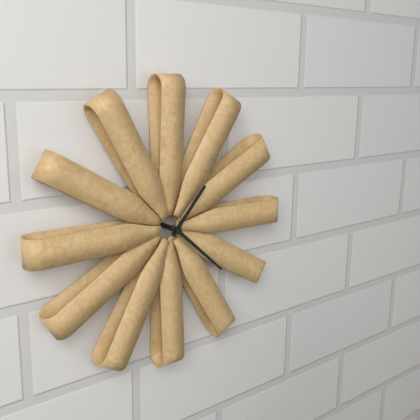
h=1 m=22
